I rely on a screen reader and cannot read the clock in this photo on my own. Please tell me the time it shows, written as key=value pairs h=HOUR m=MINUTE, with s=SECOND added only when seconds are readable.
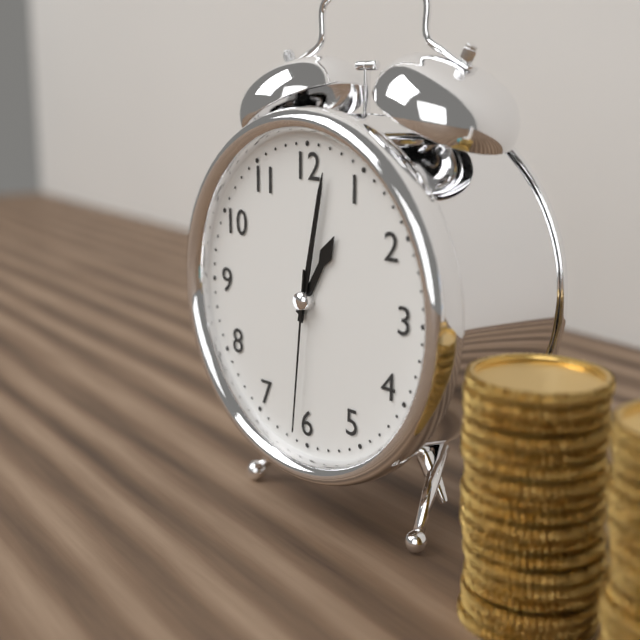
h=1 m=2 s=31
